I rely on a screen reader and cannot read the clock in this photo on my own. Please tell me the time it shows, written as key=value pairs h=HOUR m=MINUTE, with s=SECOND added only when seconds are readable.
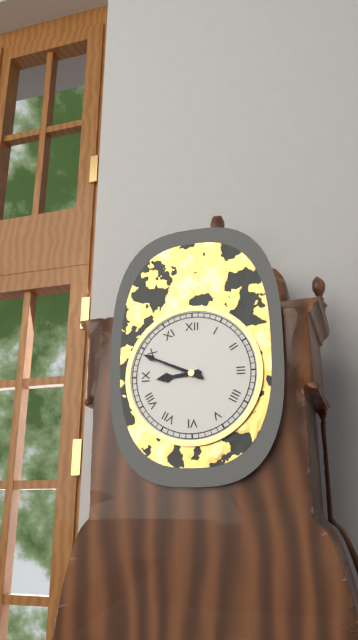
h=8 m=49
